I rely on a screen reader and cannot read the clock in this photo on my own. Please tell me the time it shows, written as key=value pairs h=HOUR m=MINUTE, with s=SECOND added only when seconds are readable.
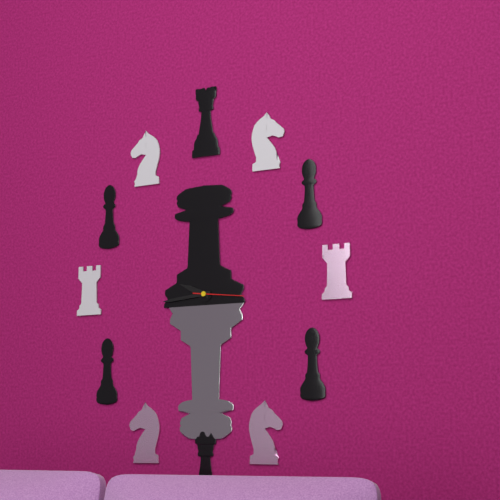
h=9 m=44 s=16
